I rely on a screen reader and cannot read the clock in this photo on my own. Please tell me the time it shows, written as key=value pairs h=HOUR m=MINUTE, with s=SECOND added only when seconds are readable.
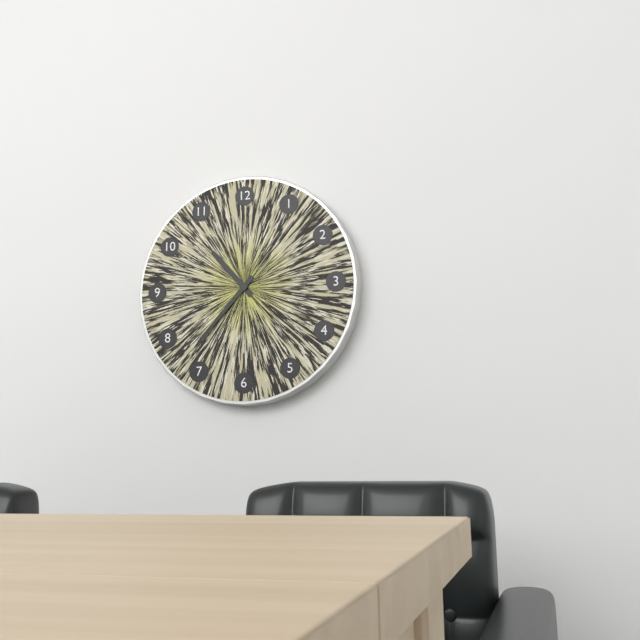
h=10 m=37
